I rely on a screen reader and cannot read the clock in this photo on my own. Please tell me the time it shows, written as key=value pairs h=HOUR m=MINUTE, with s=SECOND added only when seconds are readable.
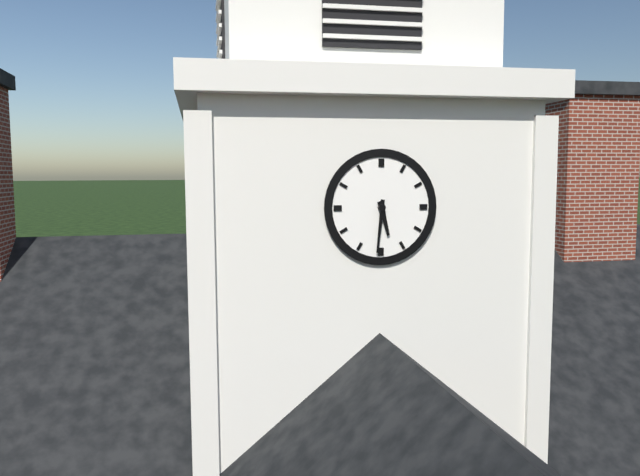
h=5 m=31
